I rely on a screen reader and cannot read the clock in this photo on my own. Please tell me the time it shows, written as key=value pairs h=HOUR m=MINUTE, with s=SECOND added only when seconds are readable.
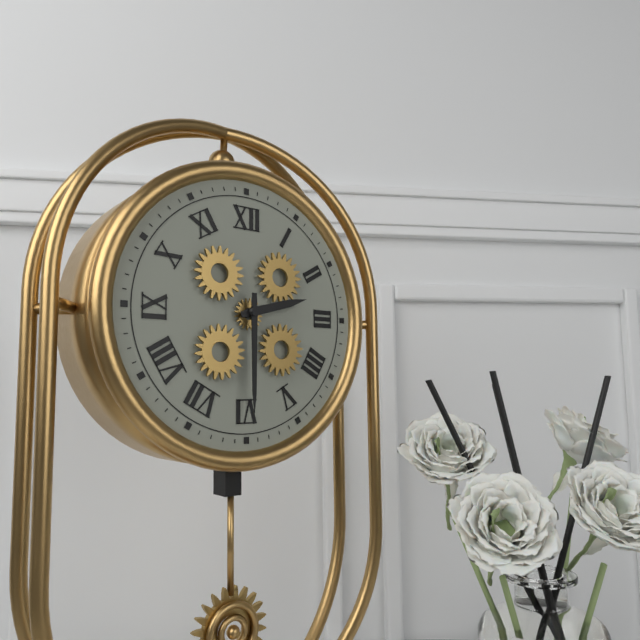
h=2 m=30
